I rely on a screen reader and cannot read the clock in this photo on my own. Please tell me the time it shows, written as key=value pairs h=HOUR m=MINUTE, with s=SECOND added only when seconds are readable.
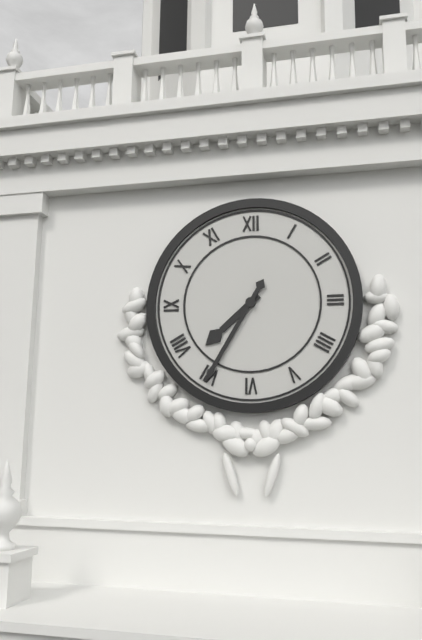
h=7 m=35
